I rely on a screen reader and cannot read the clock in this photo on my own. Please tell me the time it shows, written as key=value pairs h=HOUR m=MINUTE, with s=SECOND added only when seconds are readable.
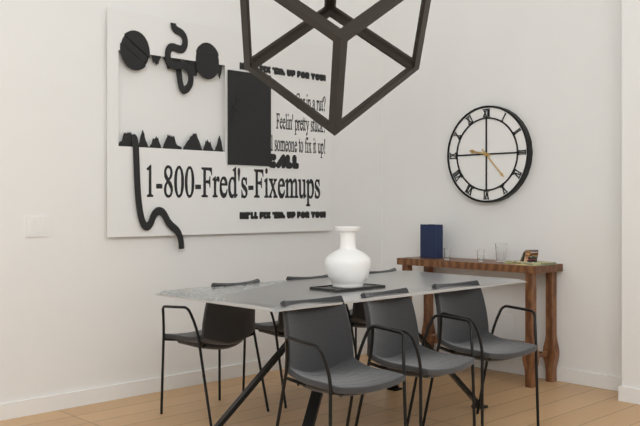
h=9 m=23
